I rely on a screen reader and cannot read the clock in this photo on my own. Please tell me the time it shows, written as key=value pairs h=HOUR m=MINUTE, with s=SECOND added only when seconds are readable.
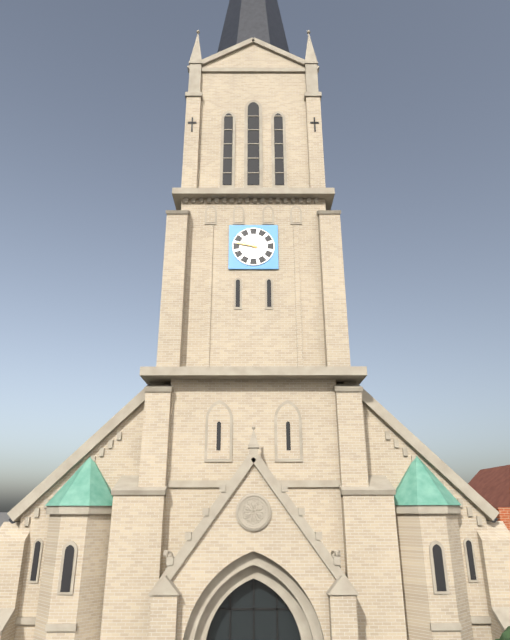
h=9 m=47
